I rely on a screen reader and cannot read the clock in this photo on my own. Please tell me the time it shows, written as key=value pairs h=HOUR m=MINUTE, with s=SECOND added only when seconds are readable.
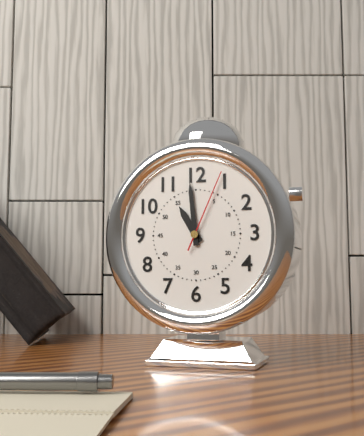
h=10 m=59 s=4
